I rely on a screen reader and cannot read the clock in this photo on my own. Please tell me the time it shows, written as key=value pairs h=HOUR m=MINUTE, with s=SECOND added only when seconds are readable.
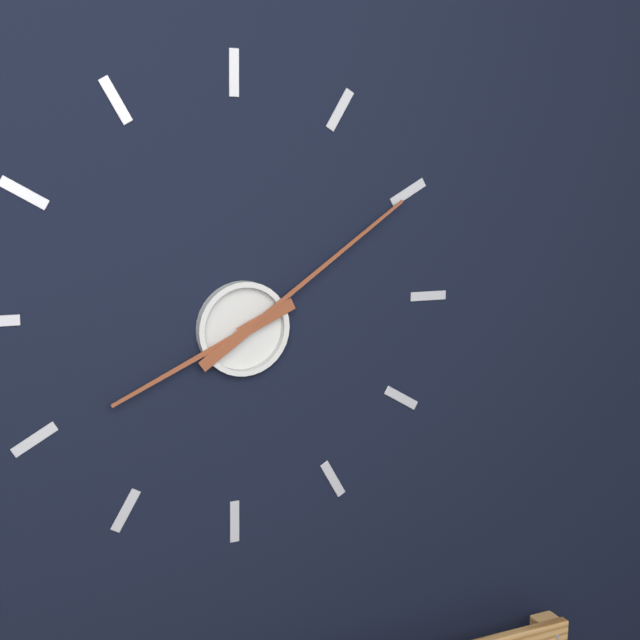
h=8 m=9
